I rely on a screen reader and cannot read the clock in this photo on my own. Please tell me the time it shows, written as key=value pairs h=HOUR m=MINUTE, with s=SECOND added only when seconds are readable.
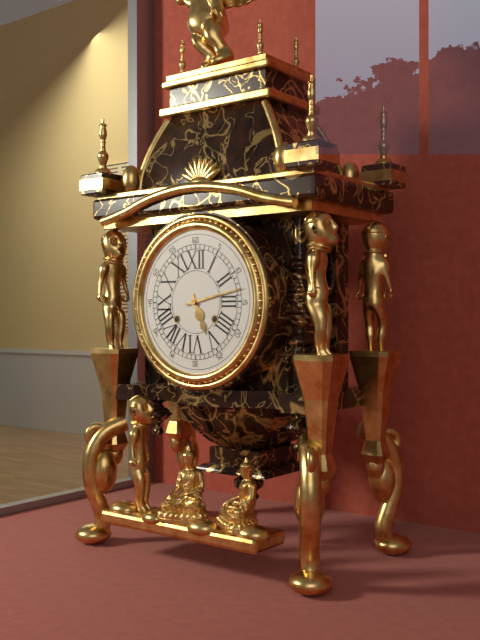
h=5 m=13
